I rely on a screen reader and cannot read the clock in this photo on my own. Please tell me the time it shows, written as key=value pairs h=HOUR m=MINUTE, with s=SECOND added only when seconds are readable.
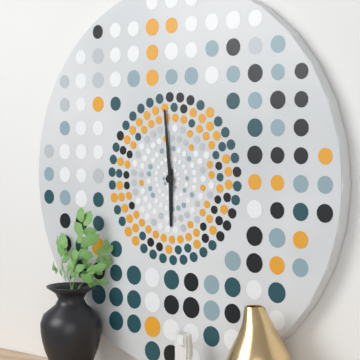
h=5 m=59
